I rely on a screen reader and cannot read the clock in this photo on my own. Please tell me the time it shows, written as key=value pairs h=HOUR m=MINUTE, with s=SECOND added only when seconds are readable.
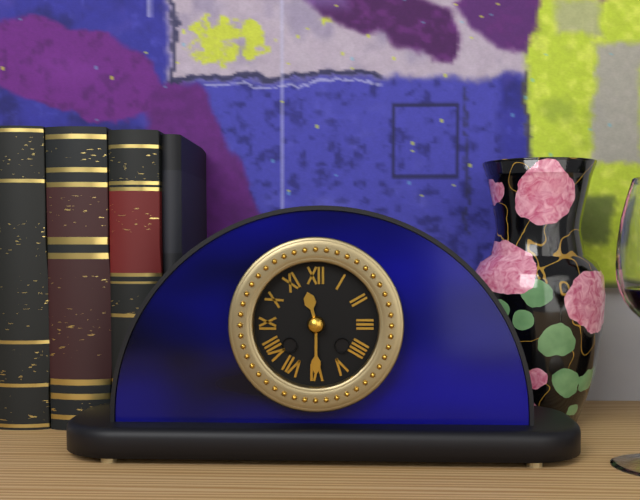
h=11 m=30
